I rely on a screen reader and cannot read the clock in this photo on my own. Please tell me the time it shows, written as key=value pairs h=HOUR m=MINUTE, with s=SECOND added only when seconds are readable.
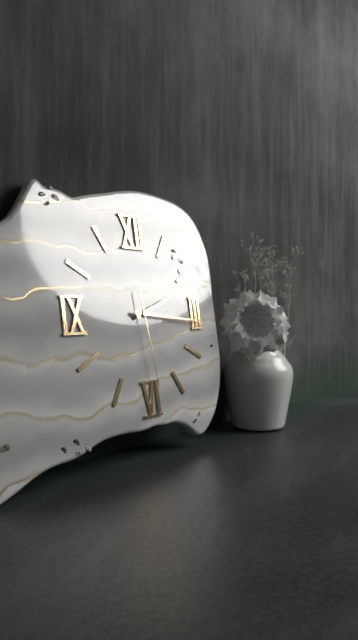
h=2 m=16 s=29
